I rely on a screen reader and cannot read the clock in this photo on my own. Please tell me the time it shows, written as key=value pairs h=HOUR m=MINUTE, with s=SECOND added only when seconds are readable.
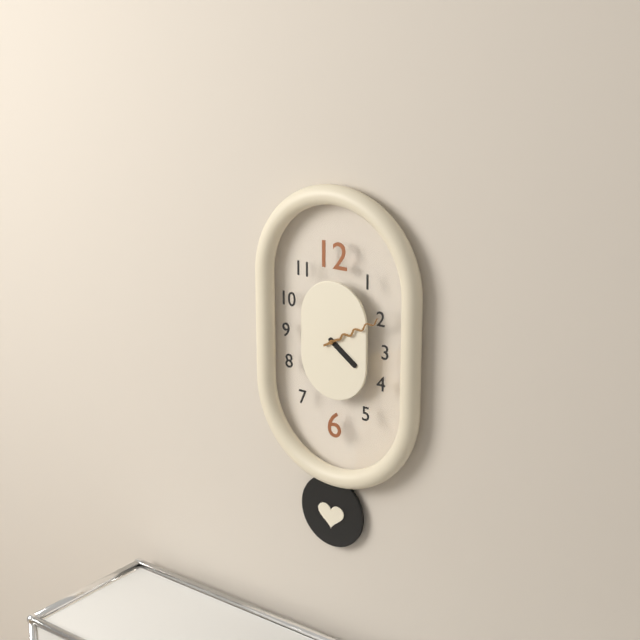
h=4 m=10
